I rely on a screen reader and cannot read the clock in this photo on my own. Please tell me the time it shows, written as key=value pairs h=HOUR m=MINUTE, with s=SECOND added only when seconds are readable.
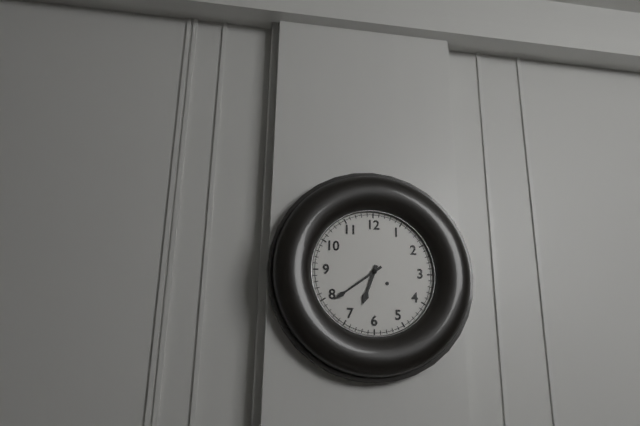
h=6 m=39
